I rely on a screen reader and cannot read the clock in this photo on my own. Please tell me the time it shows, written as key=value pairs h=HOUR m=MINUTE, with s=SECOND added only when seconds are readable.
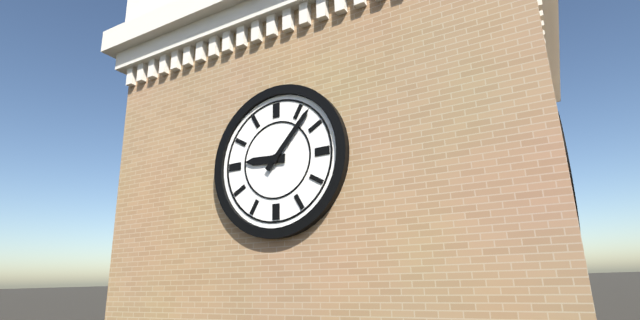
h=9 m=7
